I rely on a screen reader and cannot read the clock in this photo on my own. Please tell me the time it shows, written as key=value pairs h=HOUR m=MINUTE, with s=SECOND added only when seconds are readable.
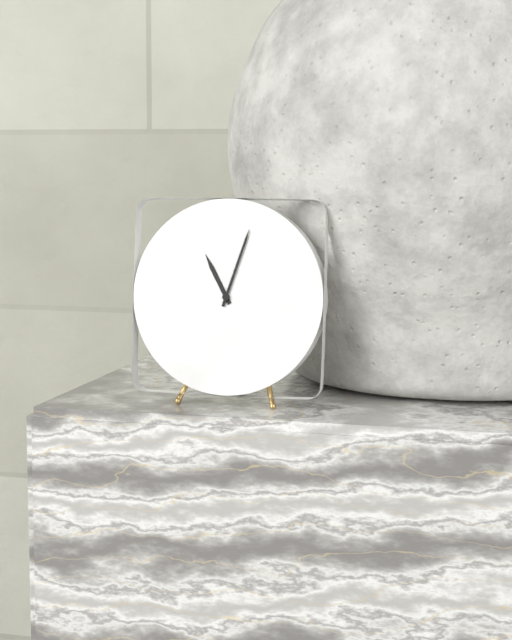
h=11 m=3
